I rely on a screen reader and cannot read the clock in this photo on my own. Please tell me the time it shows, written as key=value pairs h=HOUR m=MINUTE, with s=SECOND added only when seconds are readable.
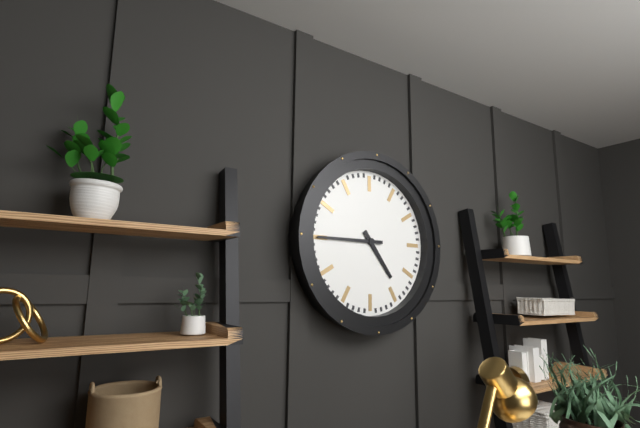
h=4 m=45
